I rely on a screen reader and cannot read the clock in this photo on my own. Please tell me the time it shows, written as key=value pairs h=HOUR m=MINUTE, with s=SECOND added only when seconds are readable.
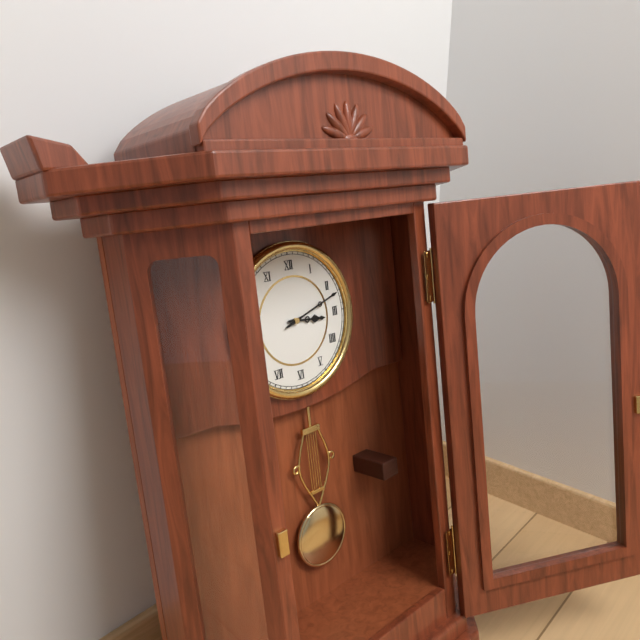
h=3 m=12
